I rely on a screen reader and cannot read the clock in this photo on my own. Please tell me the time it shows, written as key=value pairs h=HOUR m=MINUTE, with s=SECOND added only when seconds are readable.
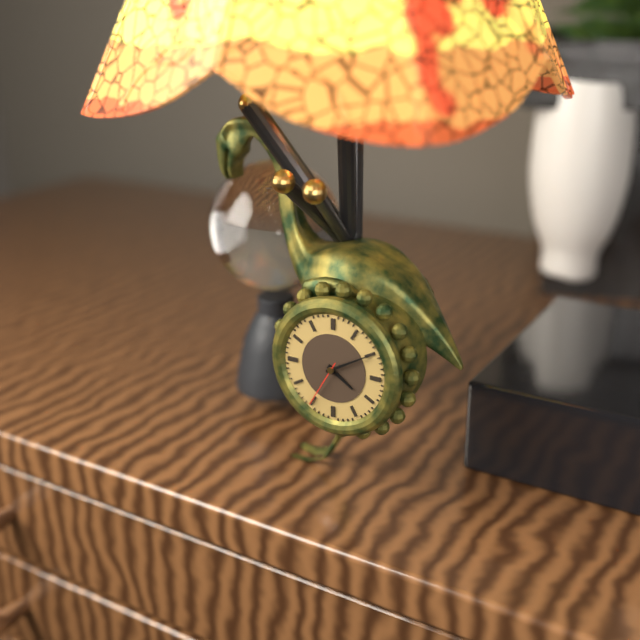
h=4 m=10 s=35
